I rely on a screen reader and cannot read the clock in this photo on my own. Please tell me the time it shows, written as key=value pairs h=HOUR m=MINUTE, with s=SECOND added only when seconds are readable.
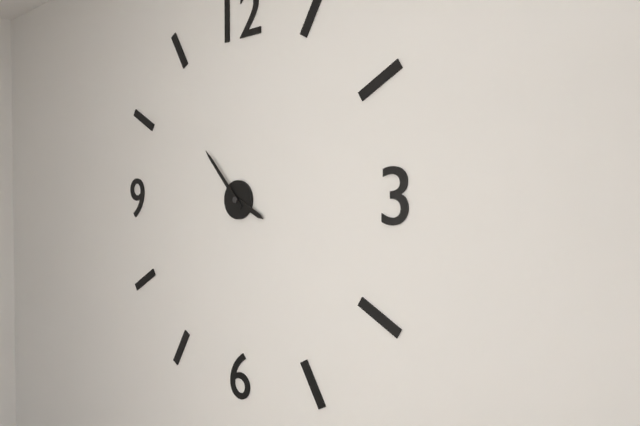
h=3 m=53
